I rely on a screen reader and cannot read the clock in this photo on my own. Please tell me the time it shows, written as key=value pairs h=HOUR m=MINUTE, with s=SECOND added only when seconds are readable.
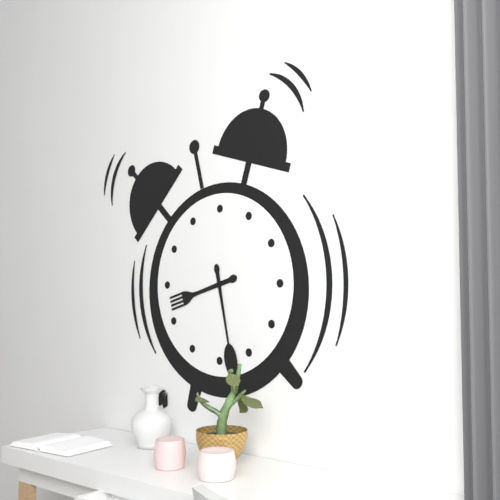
h=8 m=28
